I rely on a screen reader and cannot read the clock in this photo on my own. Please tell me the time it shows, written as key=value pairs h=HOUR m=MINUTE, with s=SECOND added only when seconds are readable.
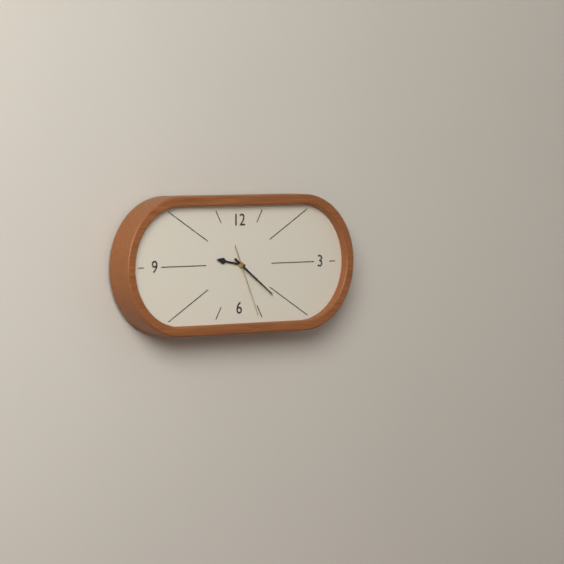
h=9 m=21 s=26
